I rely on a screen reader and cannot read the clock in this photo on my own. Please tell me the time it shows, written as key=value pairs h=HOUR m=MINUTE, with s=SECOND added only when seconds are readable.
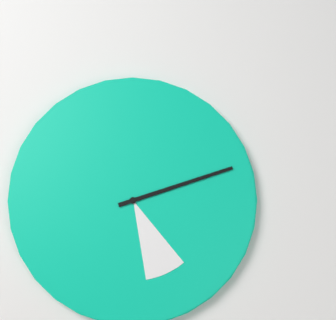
h=5 m=12
